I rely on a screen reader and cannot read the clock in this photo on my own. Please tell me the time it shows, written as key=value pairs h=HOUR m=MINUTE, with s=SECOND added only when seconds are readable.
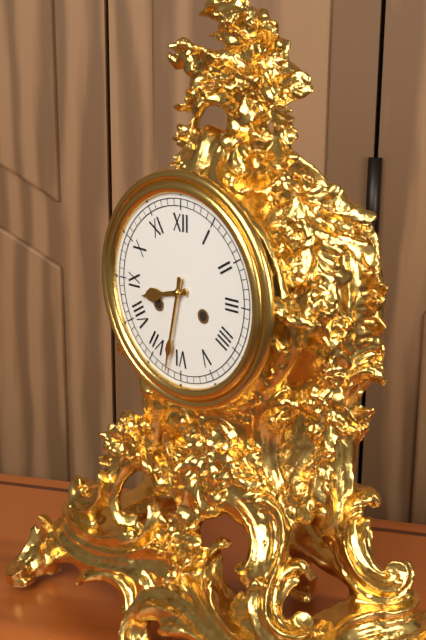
h=8 m=32
